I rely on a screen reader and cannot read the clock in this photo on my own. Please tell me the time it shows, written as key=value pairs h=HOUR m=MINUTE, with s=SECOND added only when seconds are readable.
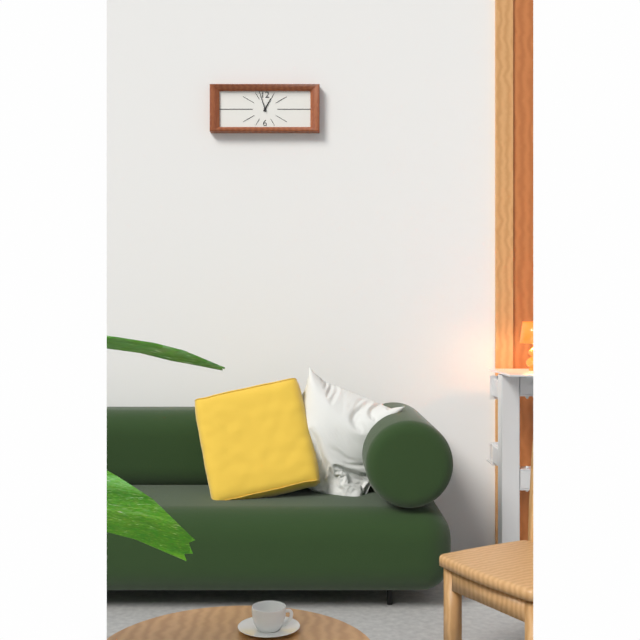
h=12 m=57
